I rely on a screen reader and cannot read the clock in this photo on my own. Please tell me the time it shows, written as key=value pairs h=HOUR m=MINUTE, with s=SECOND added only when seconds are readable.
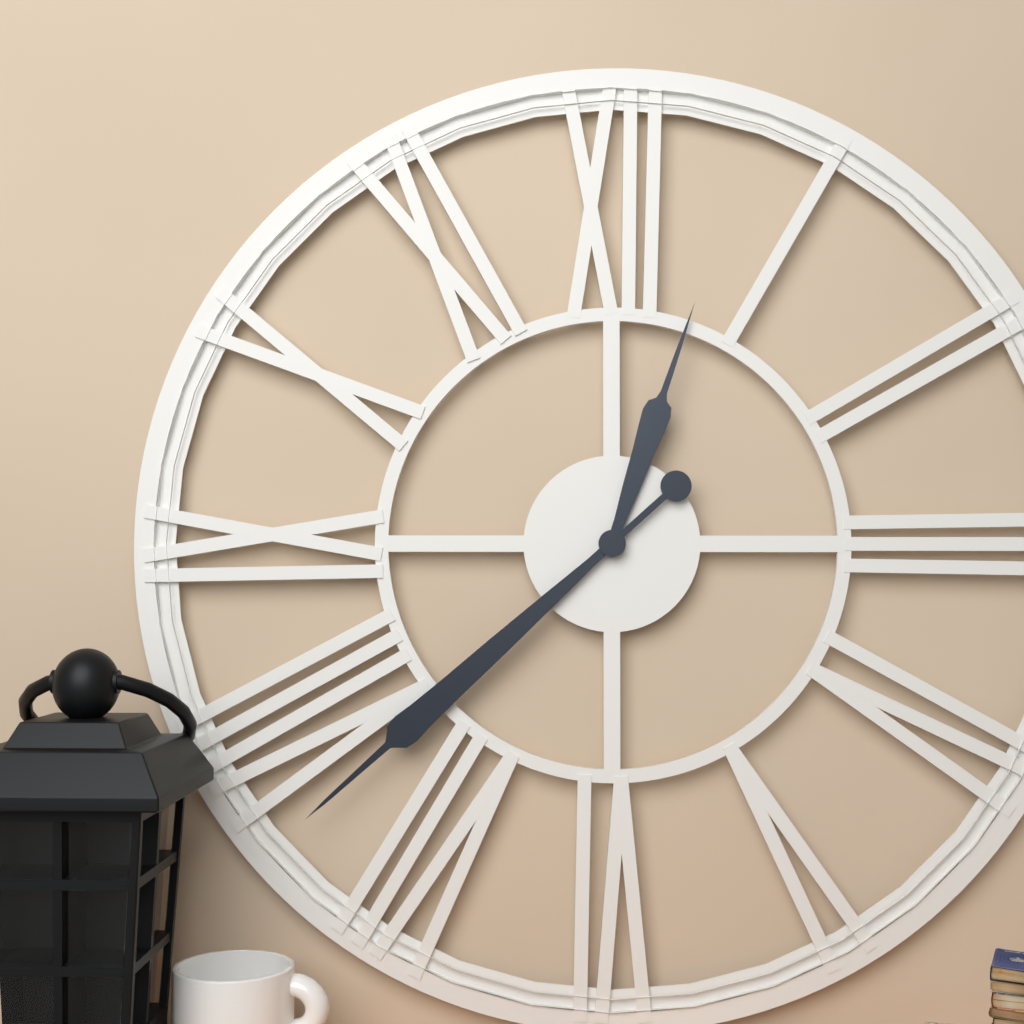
h=12 m=38
